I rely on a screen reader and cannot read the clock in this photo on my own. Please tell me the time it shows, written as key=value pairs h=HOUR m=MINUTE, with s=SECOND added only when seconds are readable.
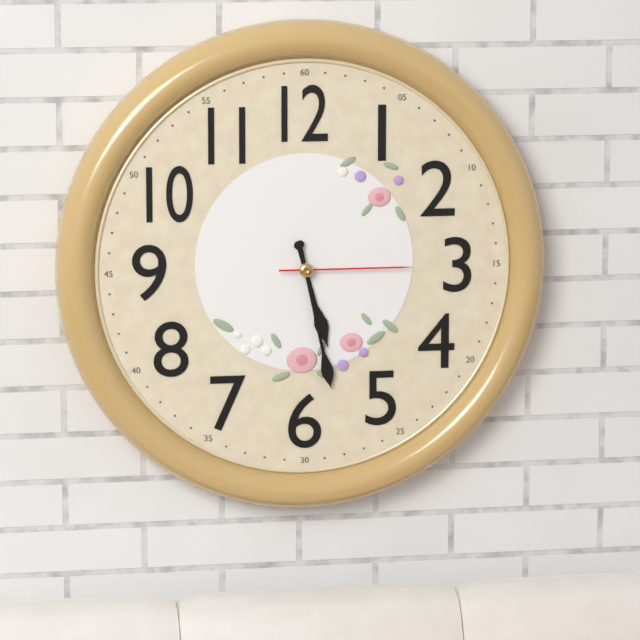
h=5 m=28 s=15
